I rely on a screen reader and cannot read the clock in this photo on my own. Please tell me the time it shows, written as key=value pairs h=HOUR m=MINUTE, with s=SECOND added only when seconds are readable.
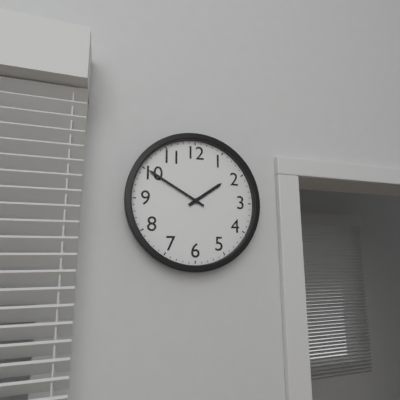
h=1 m=50
